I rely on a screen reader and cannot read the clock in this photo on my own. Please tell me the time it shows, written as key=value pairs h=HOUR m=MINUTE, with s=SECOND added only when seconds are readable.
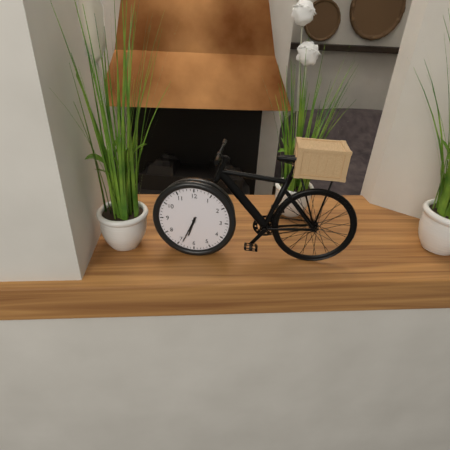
h=6 m=34
